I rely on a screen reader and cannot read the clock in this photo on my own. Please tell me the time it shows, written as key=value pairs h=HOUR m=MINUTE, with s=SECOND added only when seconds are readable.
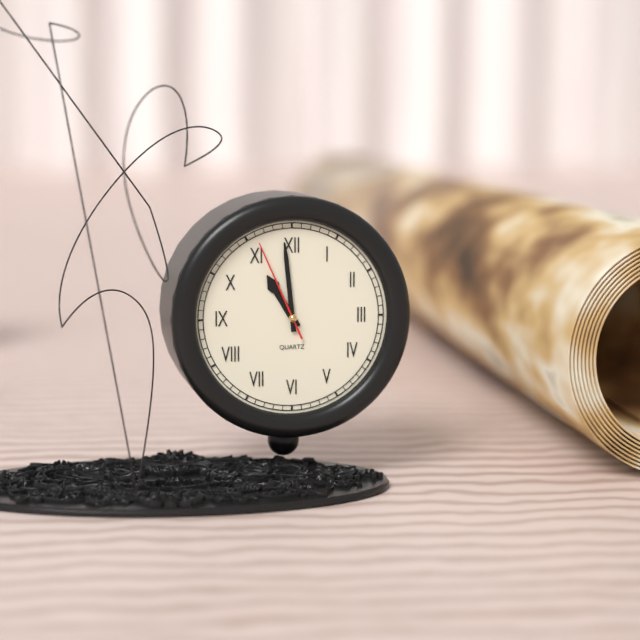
h=10 m=59 s=56
